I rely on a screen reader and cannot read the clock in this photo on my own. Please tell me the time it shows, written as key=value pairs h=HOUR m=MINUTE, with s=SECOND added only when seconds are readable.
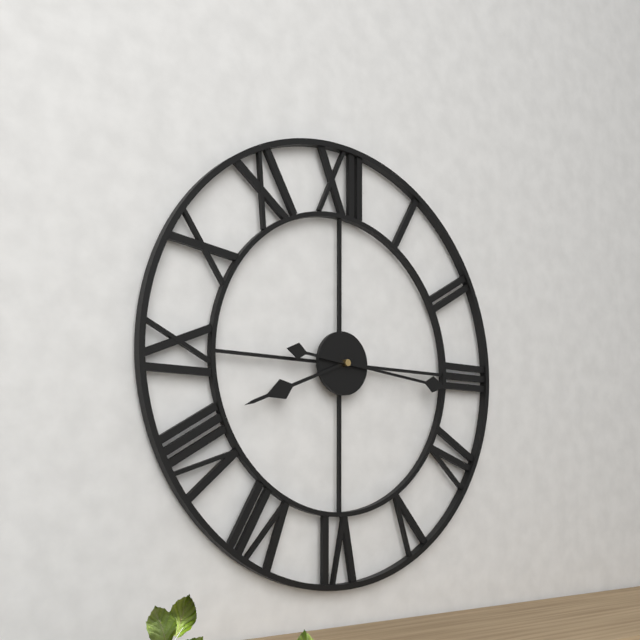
h=8 m=16
